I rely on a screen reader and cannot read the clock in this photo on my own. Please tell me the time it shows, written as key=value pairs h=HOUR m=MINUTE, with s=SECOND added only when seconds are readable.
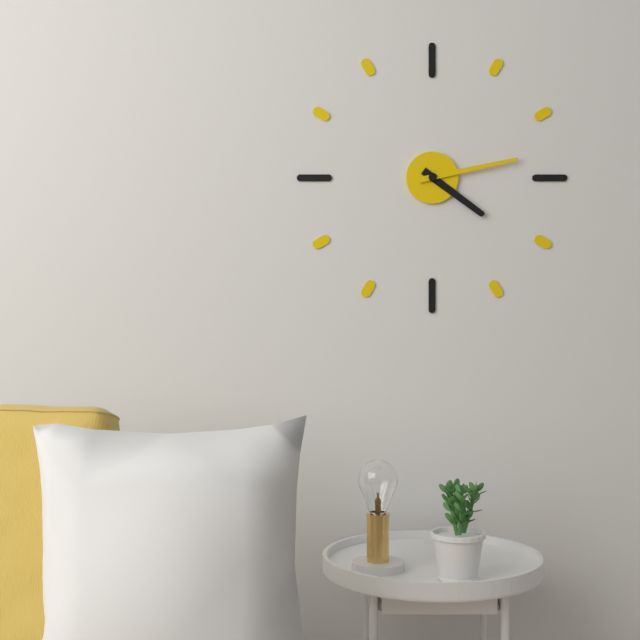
h=4 m=13
